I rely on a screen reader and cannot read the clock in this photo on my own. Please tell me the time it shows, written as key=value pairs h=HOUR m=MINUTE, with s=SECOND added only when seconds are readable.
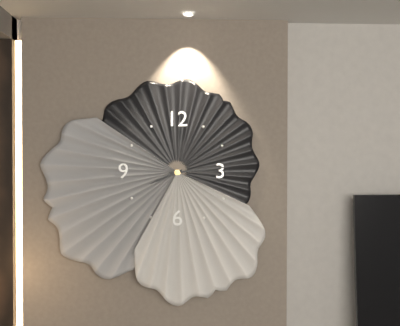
h=8 m=14
